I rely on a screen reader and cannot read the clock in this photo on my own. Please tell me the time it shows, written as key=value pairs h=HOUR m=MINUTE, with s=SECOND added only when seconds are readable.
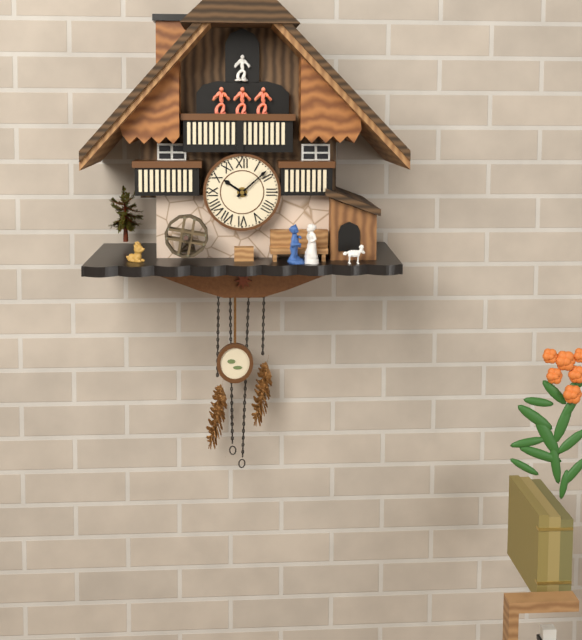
h=10 m=8
